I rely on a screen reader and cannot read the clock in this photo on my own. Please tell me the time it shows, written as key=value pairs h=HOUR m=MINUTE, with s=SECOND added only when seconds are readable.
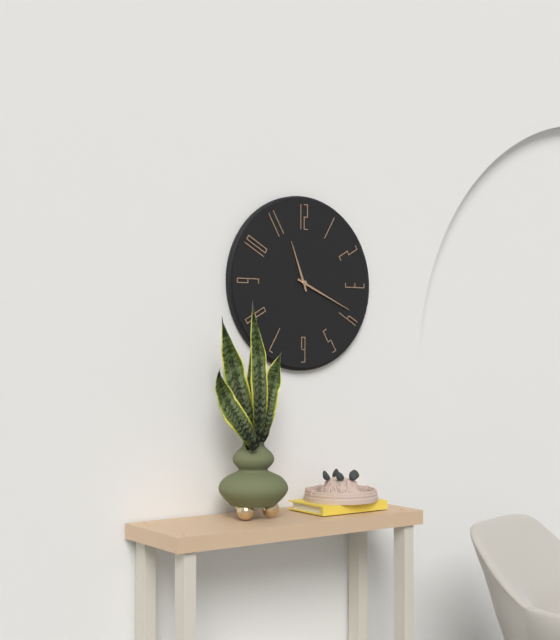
h=11 m=19
